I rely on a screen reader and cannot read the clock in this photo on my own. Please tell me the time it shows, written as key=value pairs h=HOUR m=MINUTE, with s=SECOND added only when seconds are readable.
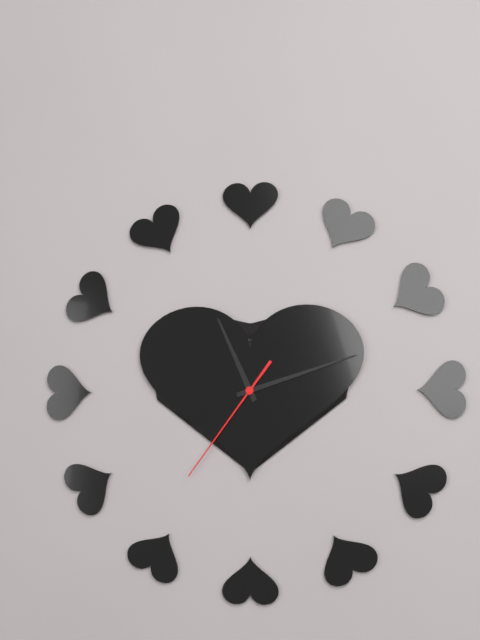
h=11 m=12 s=36
